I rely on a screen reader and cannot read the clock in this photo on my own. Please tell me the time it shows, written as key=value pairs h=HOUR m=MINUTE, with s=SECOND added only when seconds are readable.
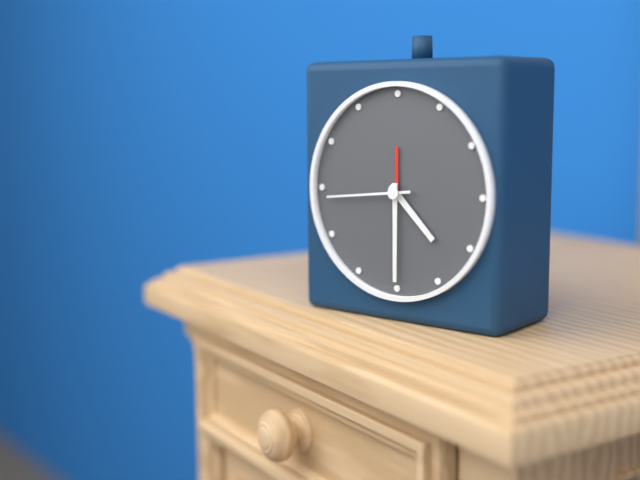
h=4 m=30 s=44
